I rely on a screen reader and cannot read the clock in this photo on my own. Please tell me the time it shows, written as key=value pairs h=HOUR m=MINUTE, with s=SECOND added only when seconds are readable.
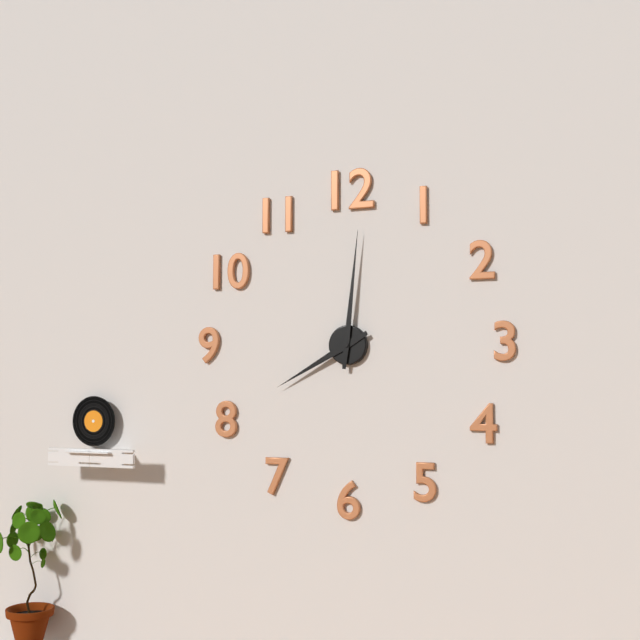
h=8 m=1
